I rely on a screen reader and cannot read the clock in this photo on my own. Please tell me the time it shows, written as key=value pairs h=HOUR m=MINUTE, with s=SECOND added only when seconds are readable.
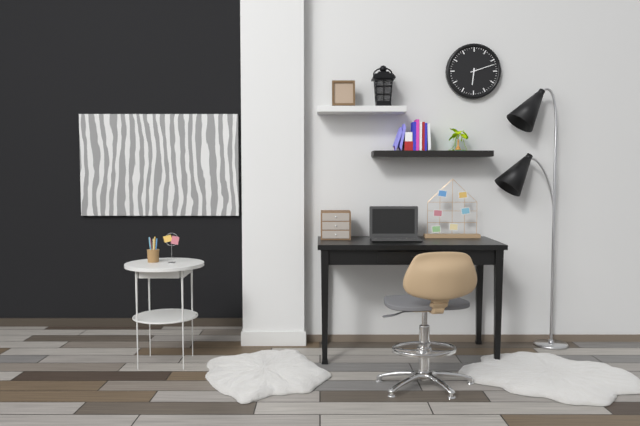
h=6 m=12
